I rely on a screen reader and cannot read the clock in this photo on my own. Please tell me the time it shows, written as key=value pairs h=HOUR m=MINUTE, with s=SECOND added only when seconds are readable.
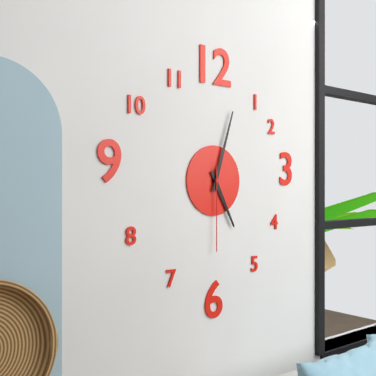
h=5 m=3 s=30
